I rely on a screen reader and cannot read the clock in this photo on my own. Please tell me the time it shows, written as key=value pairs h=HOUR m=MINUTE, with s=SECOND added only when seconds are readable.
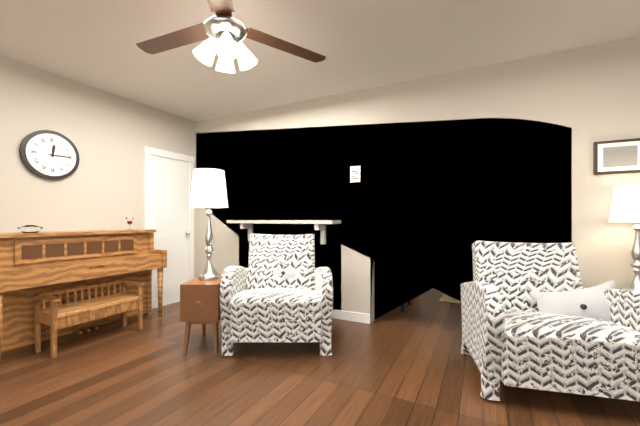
h=12 m=15
